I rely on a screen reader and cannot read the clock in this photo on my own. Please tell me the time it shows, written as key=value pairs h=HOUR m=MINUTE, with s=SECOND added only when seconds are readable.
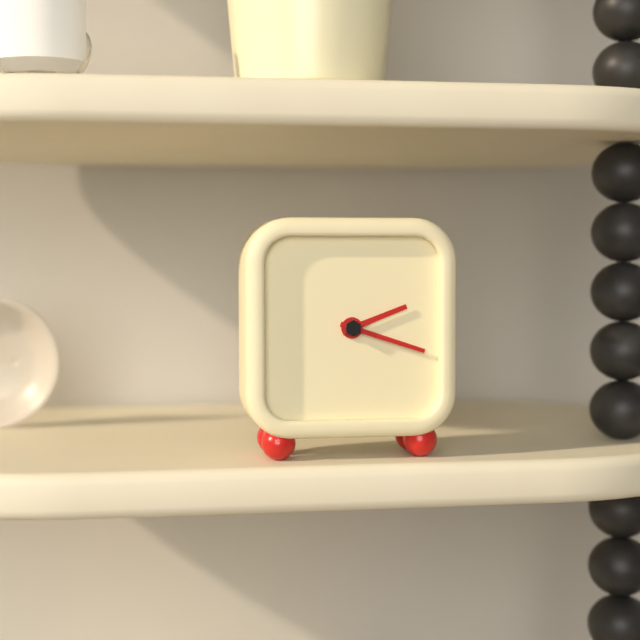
h=2 m=18
